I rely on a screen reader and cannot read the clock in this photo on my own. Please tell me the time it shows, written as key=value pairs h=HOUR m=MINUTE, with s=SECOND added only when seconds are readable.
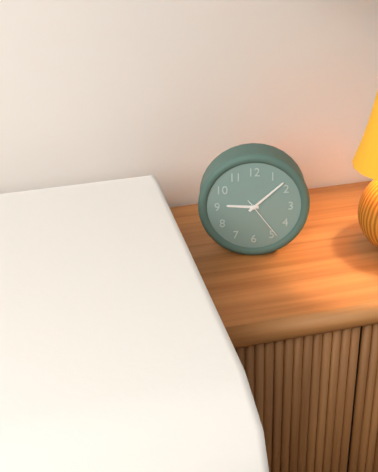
h=9 m=8
